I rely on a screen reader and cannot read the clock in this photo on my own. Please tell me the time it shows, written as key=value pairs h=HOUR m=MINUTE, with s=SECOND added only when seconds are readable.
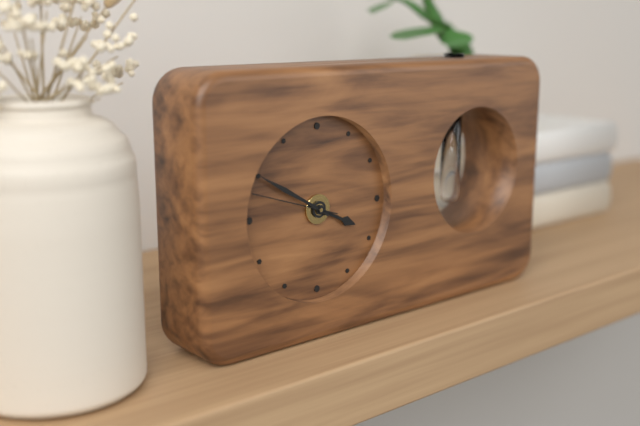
h=3 m=50 s=48
